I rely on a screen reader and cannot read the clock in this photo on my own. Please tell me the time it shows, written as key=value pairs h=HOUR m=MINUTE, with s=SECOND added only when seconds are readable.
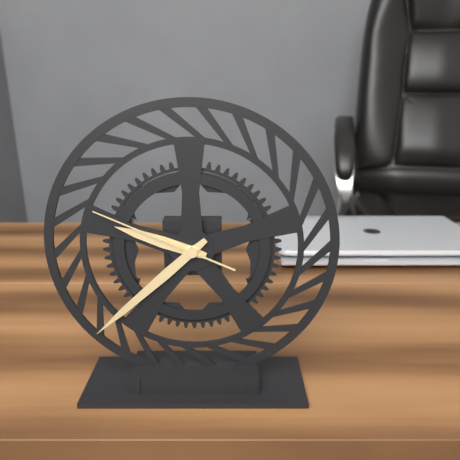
h=9 m=38 s=49
